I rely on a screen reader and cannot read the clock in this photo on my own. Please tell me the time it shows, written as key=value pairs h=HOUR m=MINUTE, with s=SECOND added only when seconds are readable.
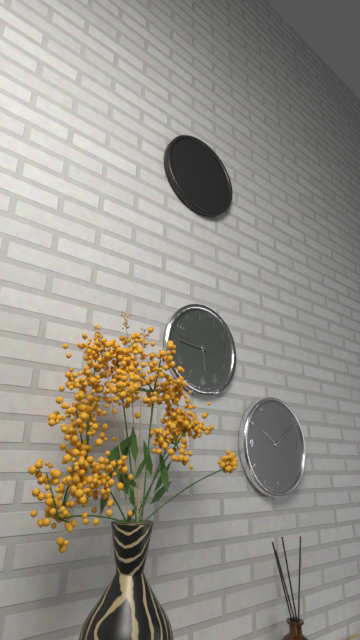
h=5 m=46
